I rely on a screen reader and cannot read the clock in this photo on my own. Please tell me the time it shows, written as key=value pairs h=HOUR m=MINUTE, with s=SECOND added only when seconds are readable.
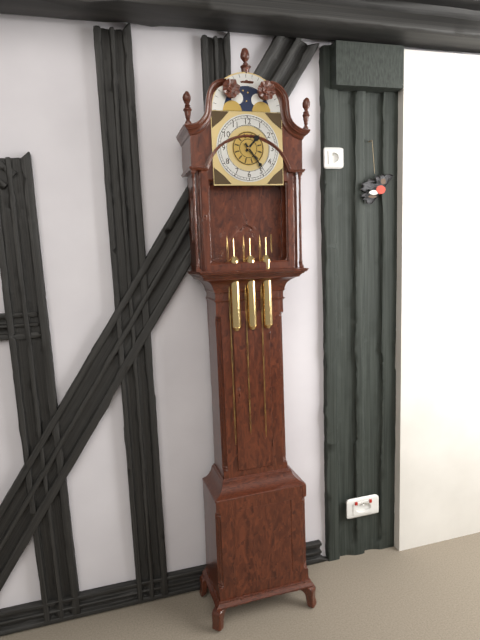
h=1 m=24
